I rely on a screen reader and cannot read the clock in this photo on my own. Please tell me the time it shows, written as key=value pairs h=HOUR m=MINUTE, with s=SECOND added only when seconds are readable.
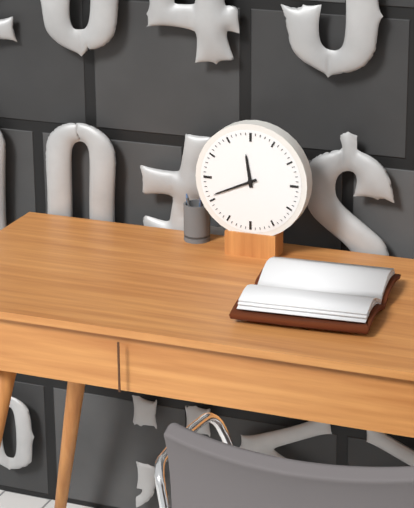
h=11 m=41
